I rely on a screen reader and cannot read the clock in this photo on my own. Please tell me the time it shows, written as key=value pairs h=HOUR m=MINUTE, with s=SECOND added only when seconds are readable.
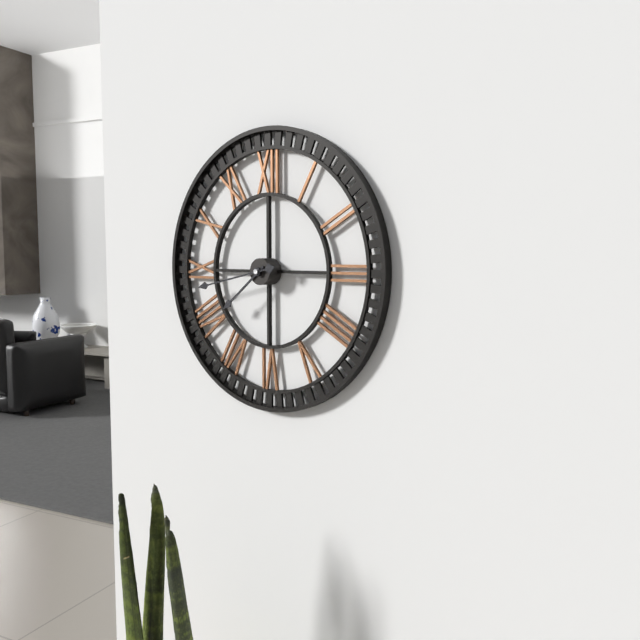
h=7 m=43
